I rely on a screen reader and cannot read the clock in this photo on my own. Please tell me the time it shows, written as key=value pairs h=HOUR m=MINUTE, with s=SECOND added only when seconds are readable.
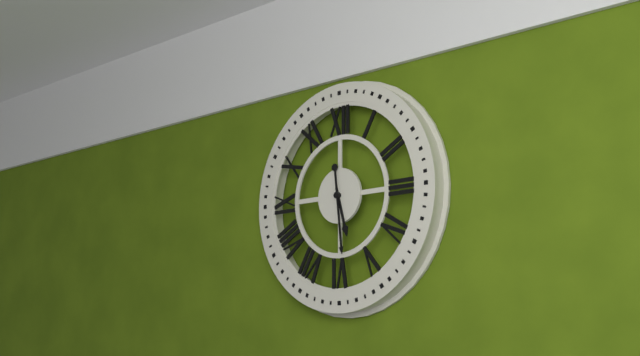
h=5 m=29
